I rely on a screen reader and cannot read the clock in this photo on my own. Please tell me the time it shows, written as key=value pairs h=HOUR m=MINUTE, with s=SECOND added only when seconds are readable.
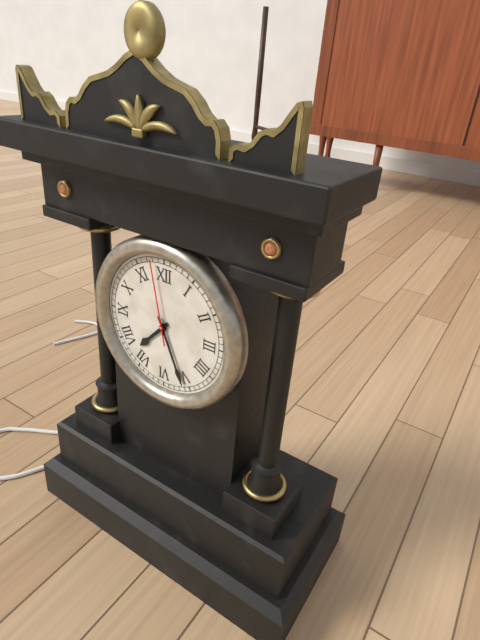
h=7 m=26 s=58
